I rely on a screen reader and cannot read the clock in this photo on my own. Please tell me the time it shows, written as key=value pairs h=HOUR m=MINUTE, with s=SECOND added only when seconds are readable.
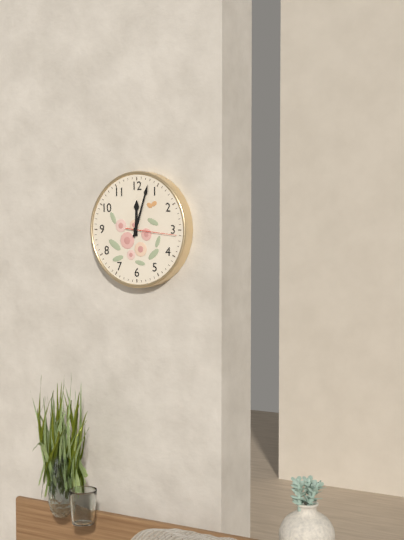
h=12 m=3 s=16
